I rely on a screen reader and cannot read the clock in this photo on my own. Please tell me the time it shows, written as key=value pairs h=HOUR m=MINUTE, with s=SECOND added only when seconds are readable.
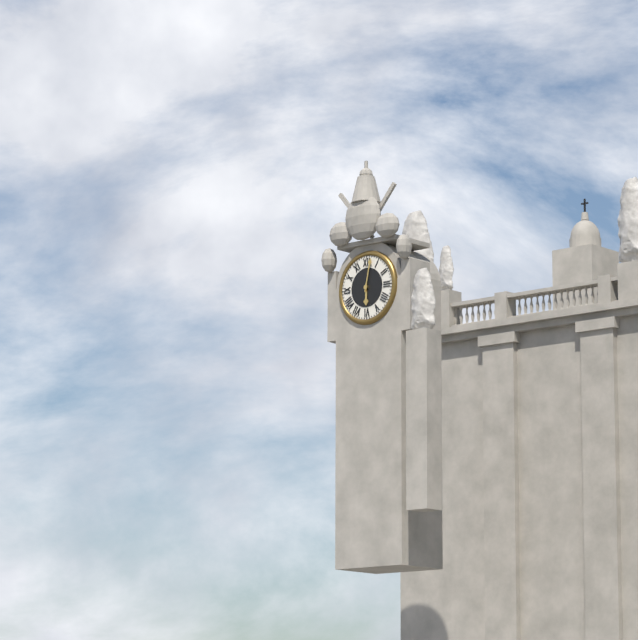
h=6 m=2
